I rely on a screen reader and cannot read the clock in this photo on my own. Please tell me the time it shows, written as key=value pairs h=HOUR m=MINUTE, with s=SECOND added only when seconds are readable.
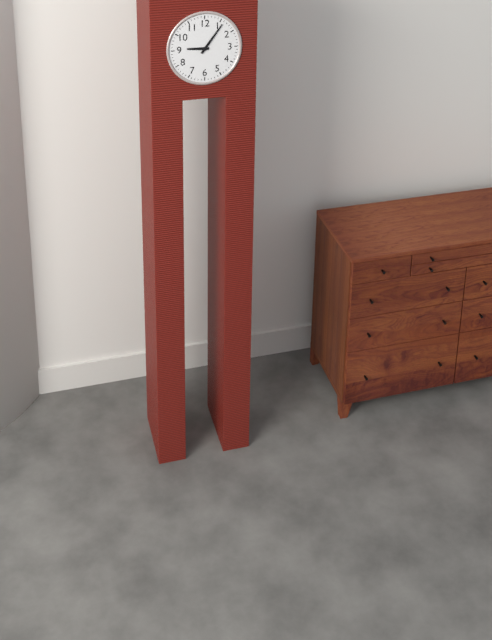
h=9 m=6
